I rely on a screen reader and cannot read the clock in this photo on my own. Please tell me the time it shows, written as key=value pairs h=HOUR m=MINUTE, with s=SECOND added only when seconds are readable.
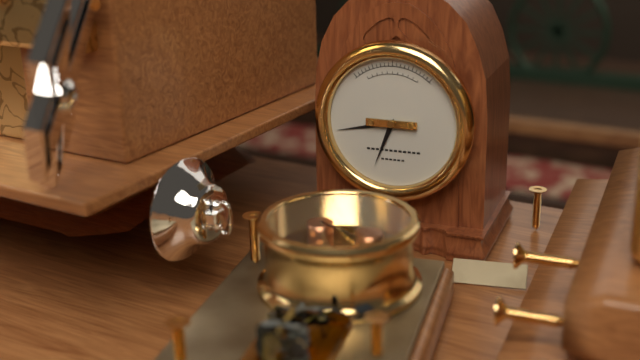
h=6 m=43
